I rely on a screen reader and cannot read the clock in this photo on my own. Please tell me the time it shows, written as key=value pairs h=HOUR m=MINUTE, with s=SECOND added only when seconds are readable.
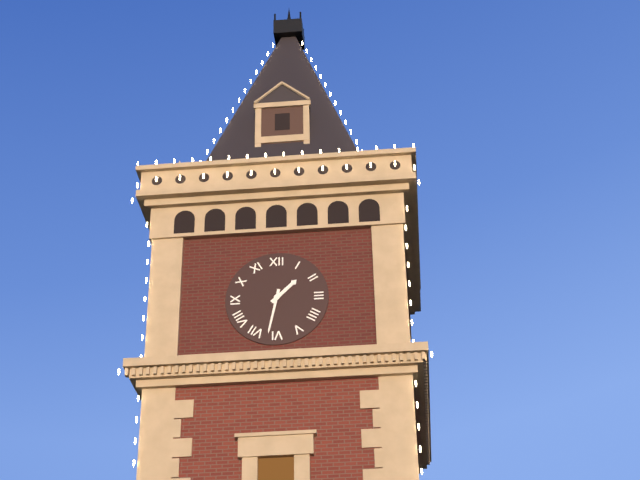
h=1 m=32
